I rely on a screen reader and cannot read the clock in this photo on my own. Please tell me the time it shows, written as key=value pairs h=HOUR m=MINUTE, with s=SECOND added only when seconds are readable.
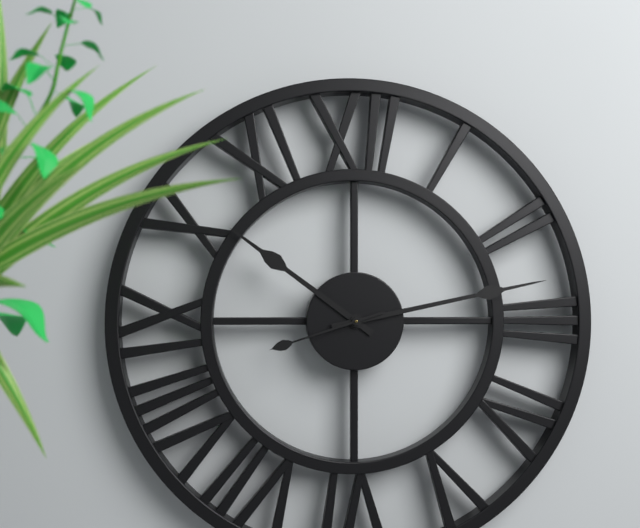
h=10 m=13 s=42
